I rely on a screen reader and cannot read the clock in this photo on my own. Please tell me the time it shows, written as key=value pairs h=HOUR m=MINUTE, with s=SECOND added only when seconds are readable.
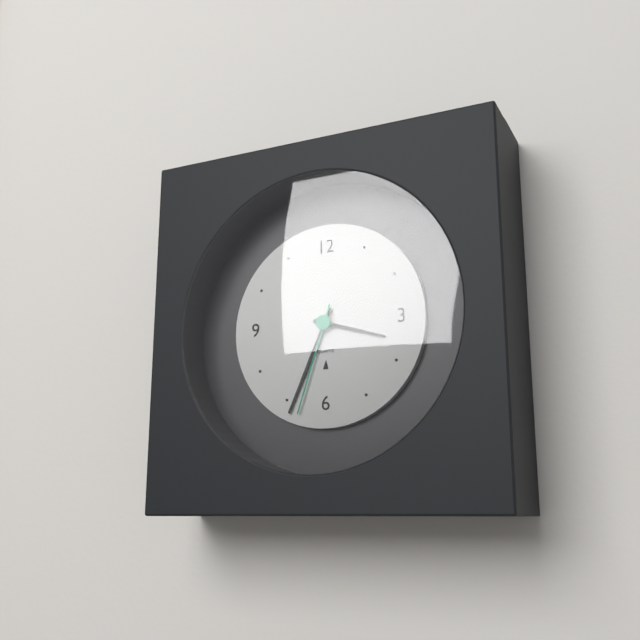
h=3 m=34 s=33
